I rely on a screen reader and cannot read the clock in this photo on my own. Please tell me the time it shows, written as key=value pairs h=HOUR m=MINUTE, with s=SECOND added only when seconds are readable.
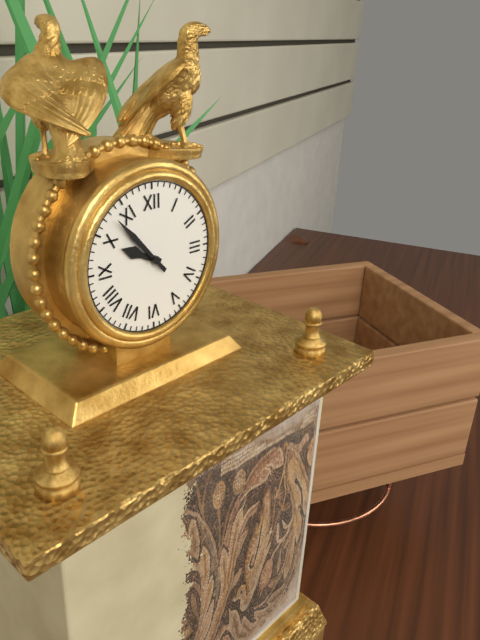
h=9 m=53
